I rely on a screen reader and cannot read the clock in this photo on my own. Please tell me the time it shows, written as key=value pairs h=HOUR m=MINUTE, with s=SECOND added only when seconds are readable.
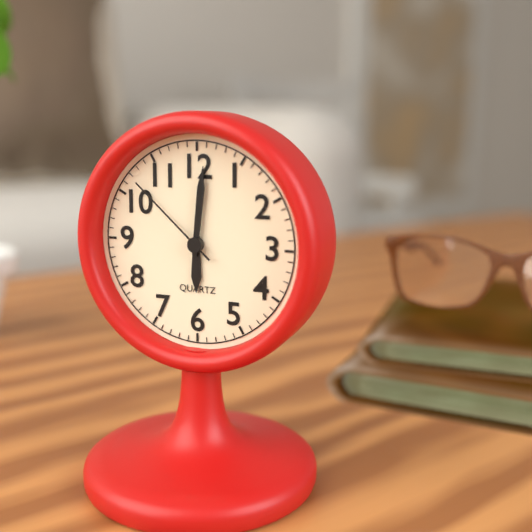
h=6 m=1 s=52
